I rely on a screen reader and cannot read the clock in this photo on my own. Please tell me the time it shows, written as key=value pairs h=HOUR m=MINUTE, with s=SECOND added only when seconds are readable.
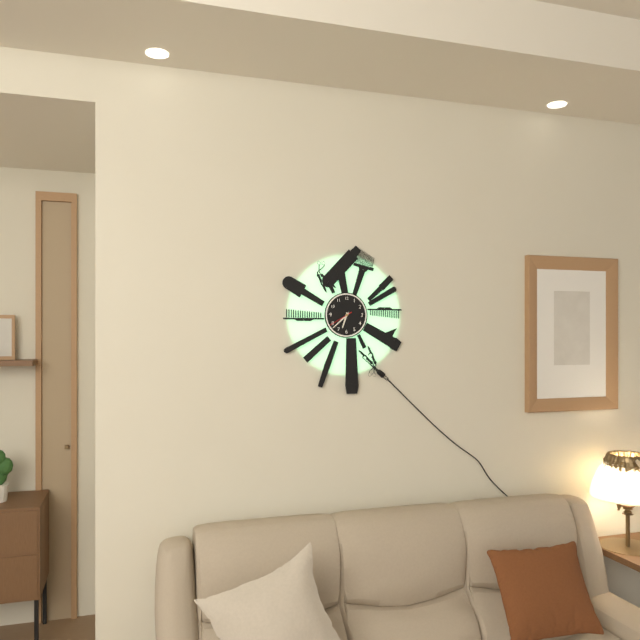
h=6 m=38
